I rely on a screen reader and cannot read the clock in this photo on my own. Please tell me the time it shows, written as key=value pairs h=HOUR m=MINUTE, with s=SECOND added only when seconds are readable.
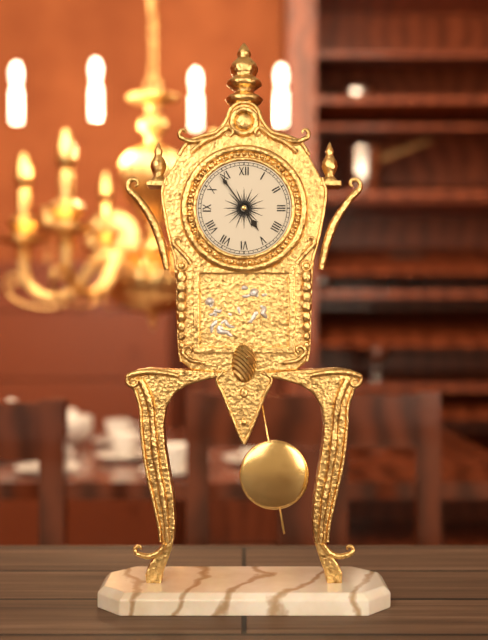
h=4 m=54
